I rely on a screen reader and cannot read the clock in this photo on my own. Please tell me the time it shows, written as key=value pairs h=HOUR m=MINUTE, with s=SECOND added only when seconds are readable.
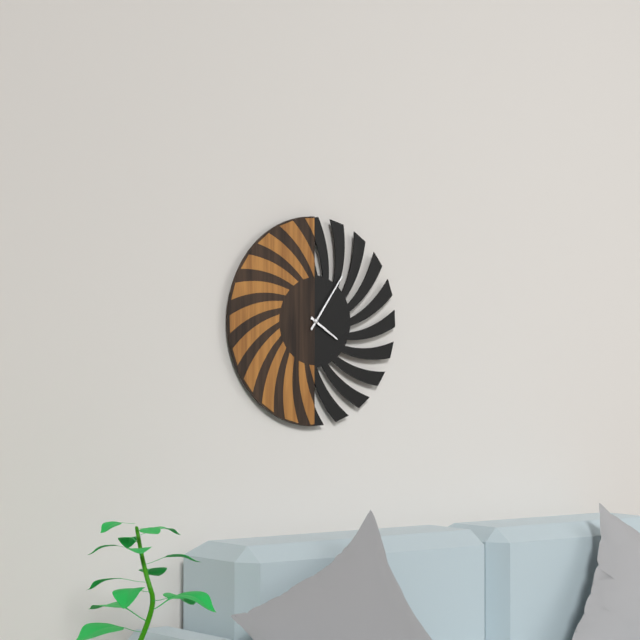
h=4 m=6
